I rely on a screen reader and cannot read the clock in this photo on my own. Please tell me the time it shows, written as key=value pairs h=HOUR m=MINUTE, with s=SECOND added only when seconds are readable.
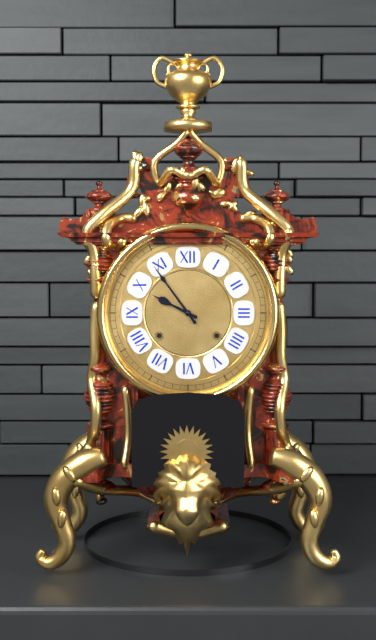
h=9 m=54
